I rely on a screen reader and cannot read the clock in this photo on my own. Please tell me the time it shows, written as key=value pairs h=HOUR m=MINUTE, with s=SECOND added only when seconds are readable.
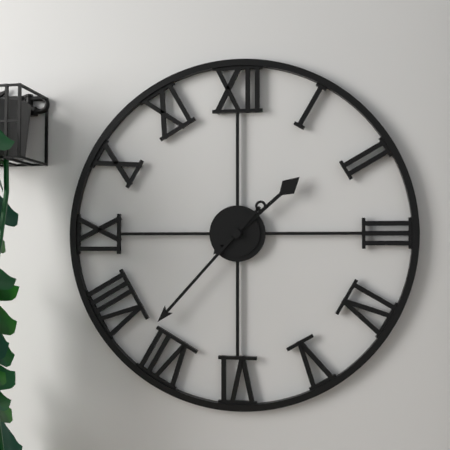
h=1 m=37
